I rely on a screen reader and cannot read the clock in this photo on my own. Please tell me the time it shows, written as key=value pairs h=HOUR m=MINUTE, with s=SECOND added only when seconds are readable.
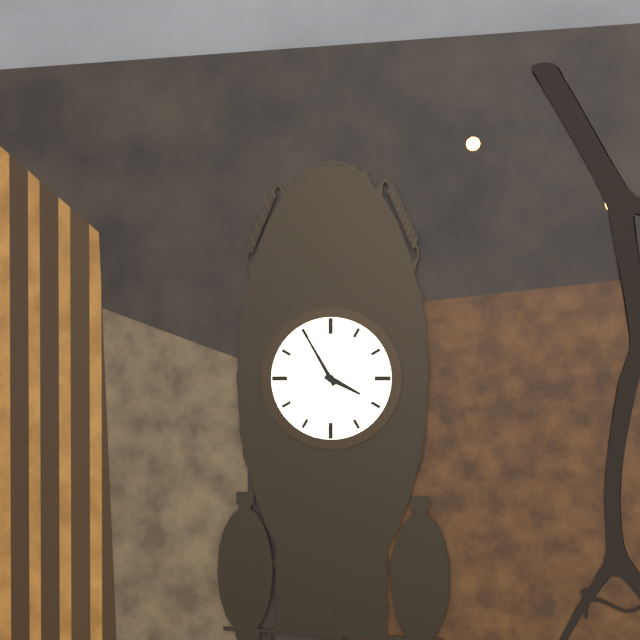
h=3 m=55
